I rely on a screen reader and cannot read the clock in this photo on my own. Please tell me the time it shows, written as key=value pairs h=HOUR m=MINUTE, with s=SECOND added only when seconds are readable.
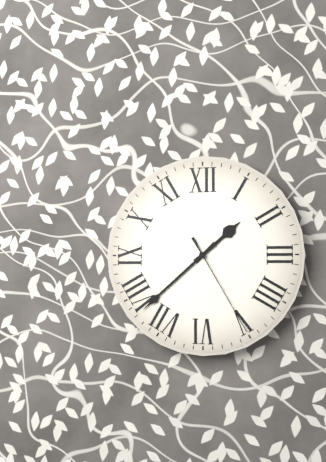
h=1 m=38 s=25
